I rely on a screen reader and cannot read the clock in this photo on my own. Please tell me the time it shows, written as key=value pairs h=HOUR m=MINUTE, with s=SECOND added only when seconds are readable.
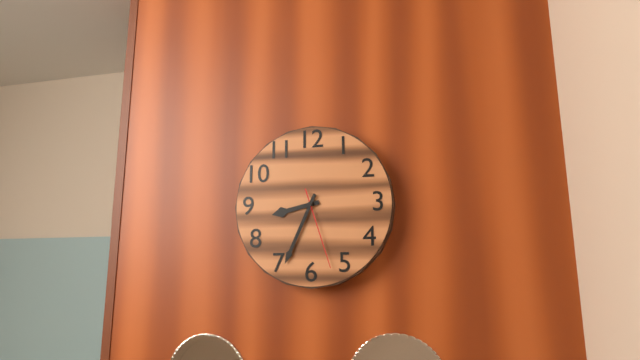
h=8 m=34 s=27
